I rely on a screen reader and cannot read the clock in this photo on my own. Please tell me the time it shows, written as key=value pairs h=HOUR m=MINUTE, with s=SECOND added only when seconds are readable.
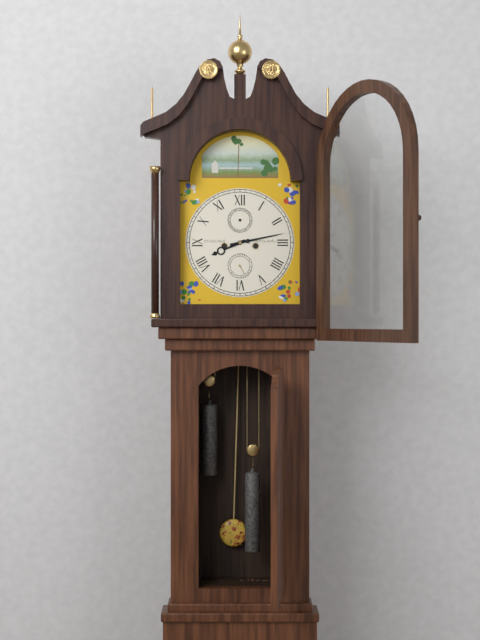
h=8 m=13
